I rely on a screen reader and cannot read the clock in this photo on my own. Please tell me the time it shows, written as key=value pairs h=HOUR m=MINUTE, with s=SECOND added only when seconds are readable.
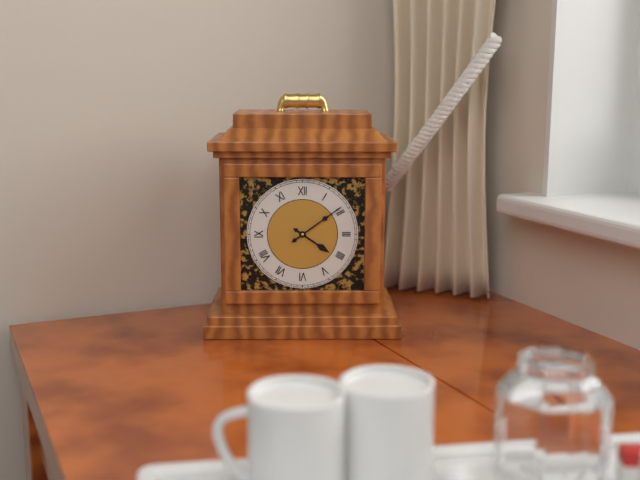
h=4 m=9
